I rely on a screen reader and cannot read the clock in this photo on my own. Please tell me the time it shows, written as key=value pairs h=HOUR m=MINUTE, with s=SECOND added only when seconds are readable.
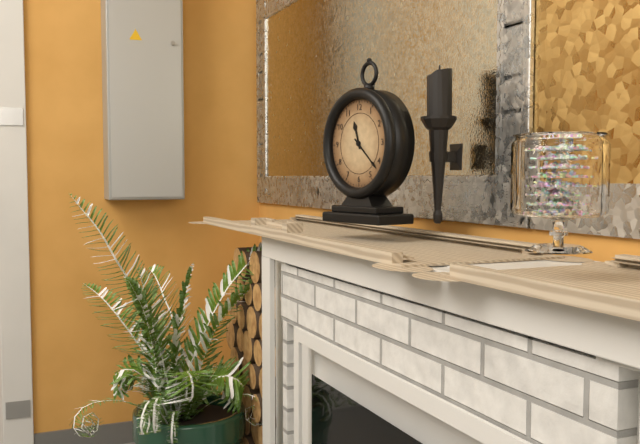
h=11 m=22
